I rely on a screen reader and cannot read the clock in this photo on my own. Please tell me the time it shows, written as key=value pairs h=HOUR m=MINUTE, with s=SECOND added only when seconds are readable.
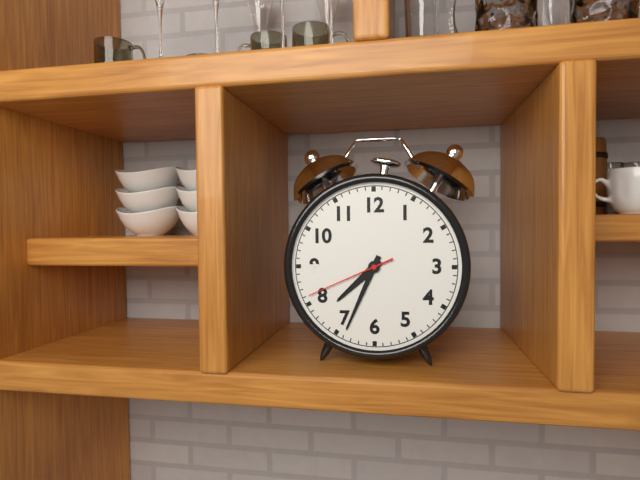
h=7 m=34 s=41
